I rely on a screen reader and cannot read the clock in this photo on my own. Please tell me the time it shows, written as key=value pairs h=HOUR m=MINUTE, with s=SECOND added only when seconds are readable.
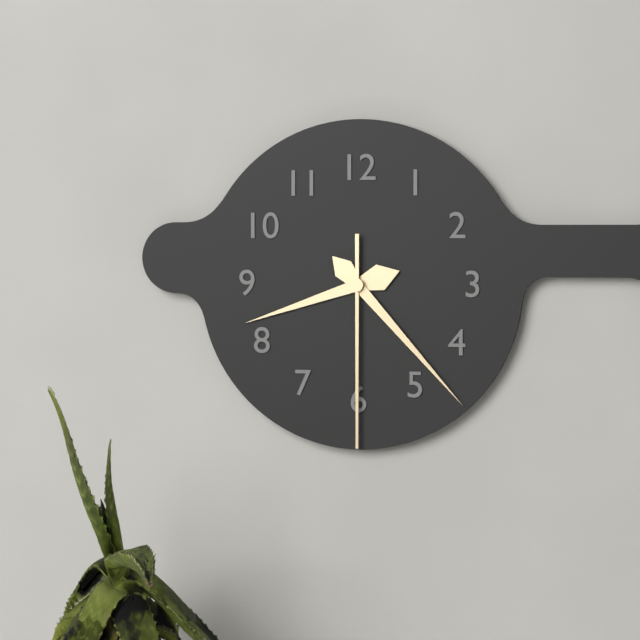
h=8 m=23 s=30
